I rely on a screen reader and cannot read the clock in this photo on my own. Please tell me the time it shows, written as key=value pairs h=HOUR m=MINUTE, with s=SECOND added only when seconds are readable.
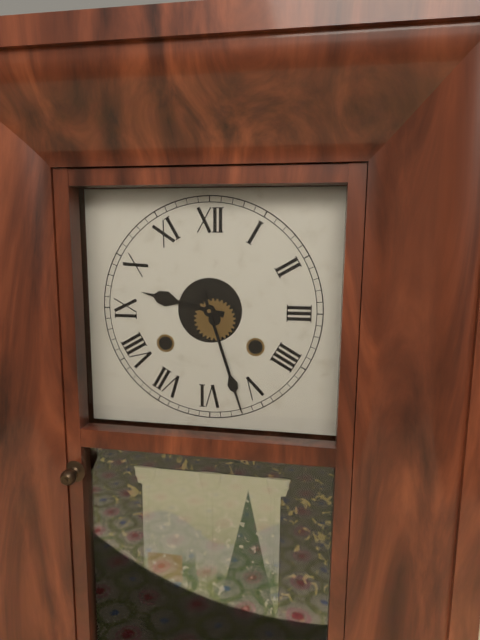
h=9 m=27
